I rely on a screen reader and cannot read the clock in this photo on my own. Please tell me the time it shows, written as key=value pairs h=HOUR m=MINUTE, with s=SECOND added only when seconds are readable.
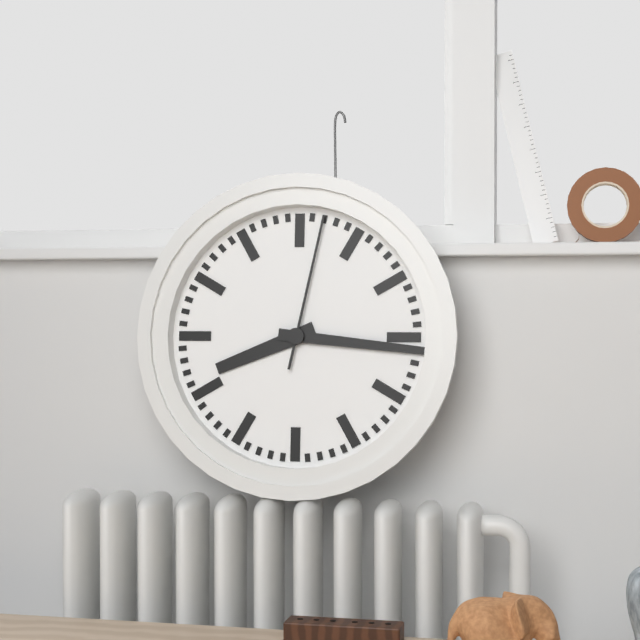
h=8 m=16 s=2
